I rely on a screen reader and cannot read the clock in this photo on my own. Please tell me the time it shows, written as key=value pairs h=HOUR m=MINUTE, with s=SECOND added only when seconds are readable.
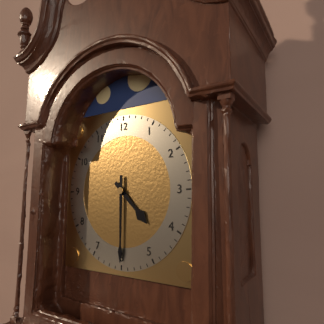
h=4 m=30
